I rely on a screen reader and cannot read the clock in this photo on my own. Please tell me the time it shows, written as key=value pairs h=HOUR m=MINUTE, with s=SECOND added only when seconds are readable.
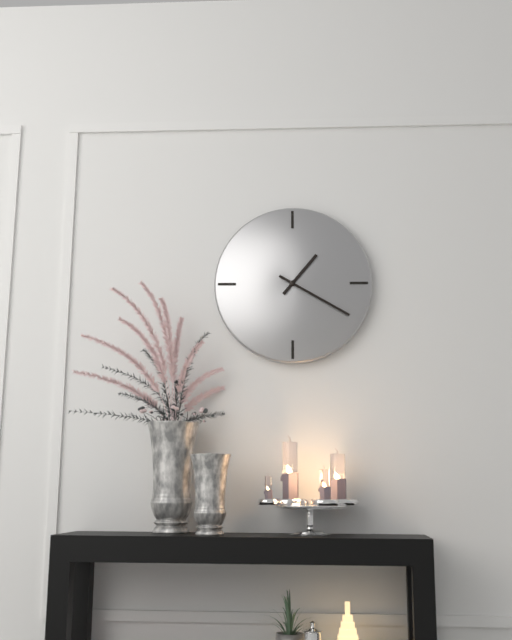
h=1 m=20
